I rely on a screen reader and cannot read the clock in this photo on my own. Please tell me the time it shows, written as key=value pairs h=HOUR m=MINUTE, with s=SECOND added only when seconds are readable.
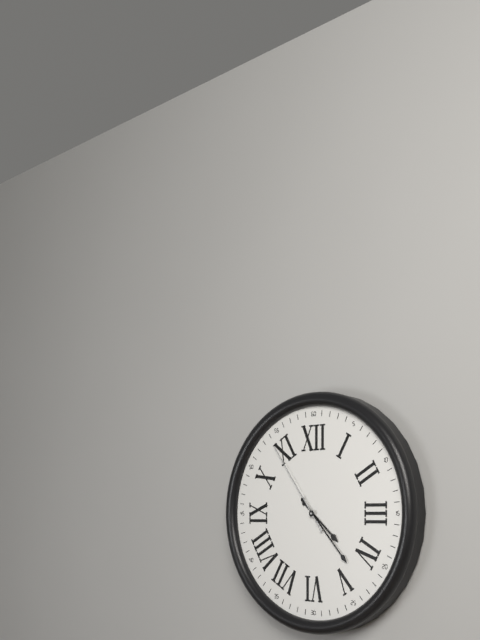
h=4 m=23 s=54
